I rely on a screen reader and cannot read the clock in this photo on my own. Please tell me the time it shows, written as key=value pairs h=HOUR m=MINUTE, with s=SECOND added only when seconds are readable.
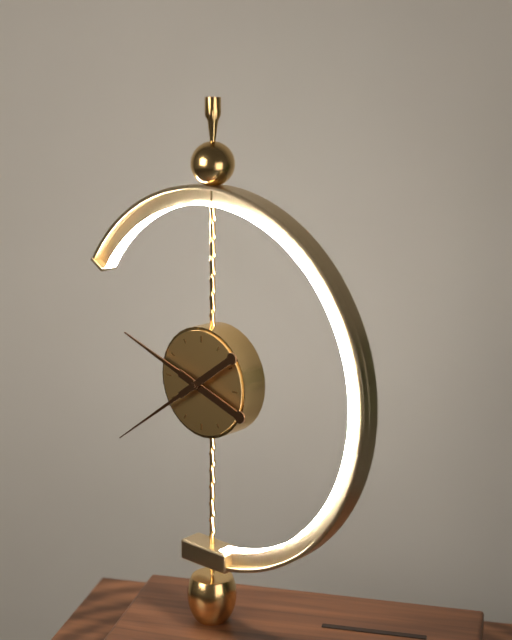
h=9 m=39
